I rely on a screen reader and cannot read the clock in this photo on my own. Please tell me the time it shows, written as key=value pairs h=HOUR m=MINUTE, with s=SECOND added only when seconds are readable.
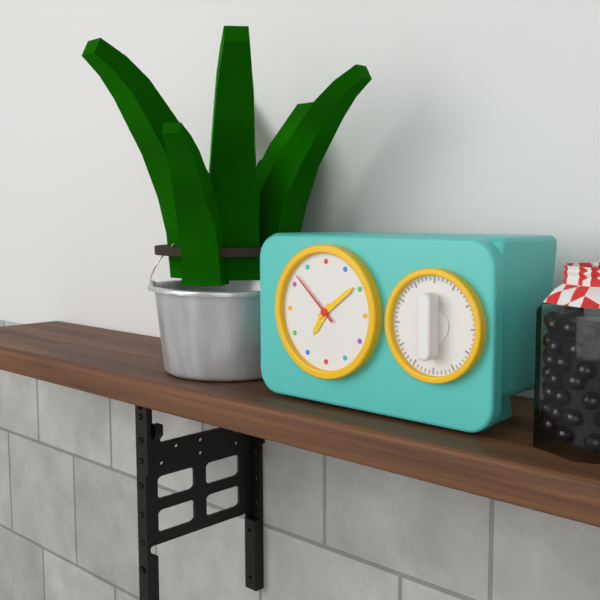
h=7 m=9 s=52
